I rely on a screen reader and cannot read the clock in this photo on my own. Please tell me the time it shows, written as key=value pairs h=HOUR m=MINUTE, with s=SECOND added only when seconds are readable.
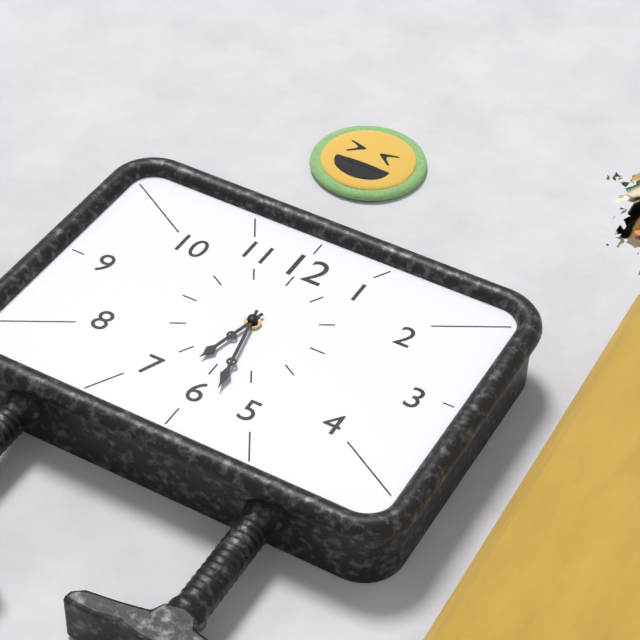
h=6 m=28
